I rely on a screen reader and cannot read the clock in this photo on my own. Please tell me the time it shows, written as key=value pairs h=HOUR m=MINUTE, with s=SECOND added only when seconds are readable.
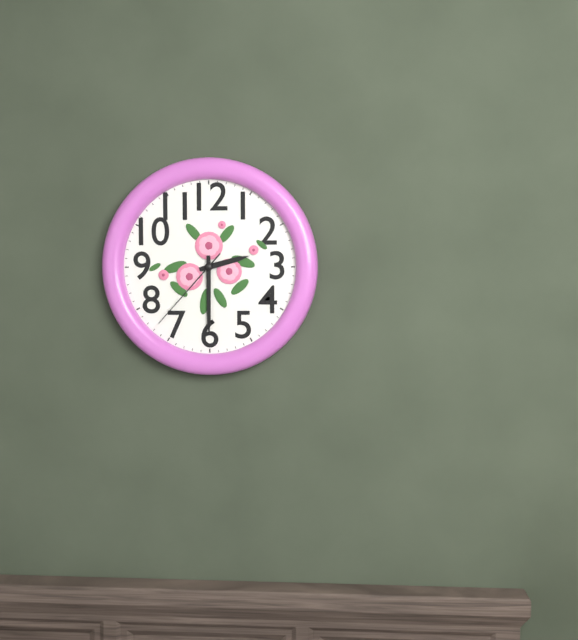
h=2 m=30 s=37
